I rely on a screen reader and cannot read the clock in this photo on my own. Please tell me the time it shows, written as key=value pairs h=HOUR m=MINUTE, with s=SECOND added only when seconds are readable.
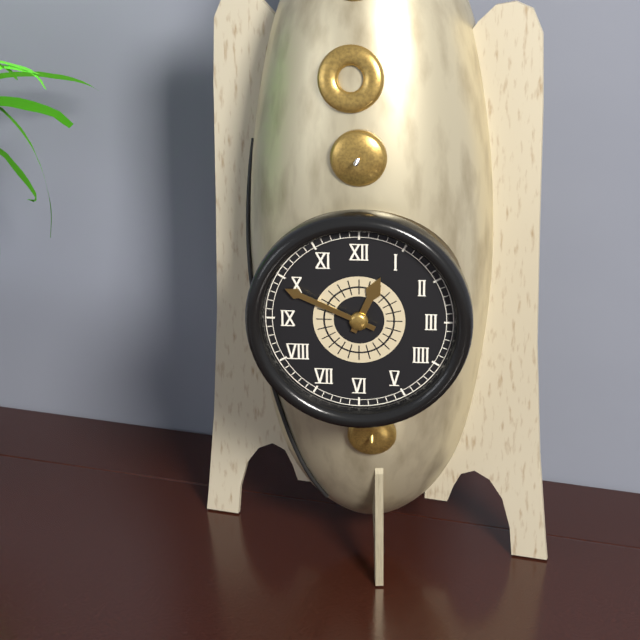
h=12 m=49
